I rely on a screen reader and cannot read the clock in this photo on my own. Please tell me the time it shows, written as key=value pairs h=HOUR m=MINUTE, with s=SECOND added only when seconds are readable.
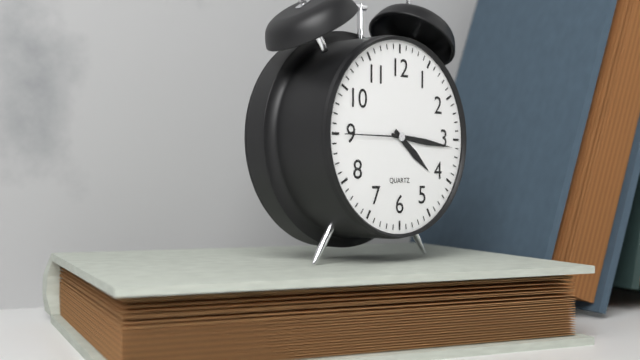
h=4 m=16 s=45
